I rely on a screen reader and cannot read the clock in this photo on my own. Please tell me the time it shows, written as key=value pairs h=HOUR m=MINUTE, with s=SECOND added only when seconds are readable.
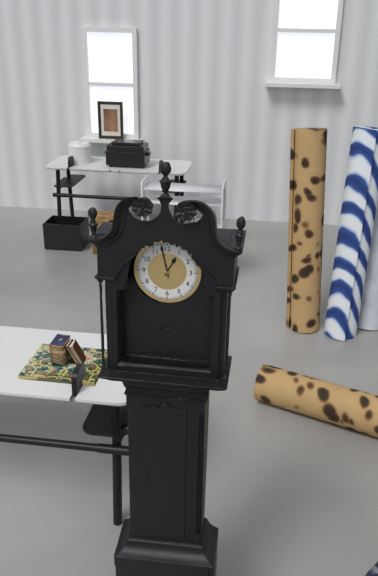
h=12 m=58
